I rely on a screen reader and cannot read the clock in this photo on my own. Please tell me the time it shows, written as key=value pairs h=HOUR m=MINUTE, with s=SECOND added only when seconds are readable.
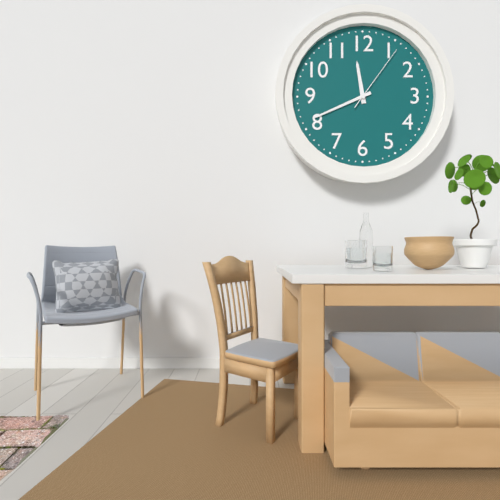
h=11 m=41 s=6
